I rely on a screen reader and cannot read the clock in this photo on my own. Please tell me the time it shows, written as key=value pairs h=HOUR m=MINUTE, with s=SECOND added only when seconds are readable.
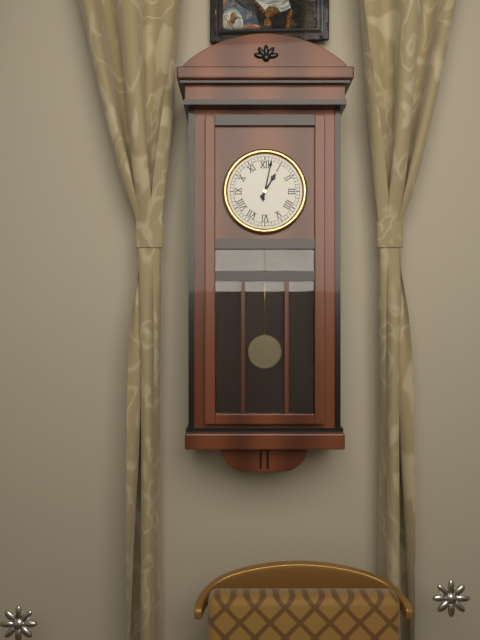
h=1 m=2
